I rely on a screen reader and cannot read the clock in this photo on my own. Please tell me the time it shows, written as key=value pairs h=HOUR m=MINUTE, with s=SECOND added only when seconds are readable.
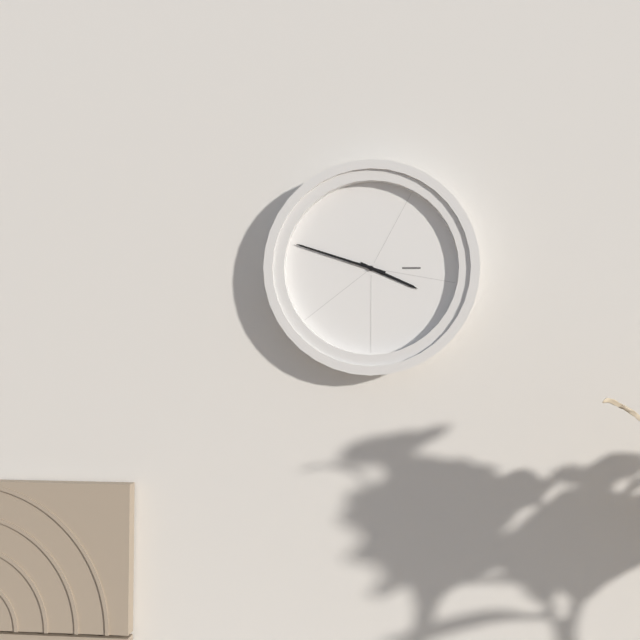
h=3 m=48
